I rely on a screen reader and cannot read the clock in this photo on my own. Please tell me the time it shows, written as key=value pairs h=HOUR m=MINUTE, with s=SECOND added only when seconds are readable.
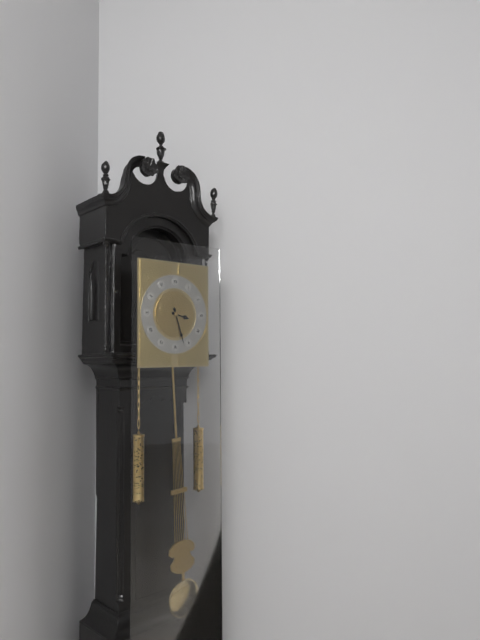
h=3 m=27
